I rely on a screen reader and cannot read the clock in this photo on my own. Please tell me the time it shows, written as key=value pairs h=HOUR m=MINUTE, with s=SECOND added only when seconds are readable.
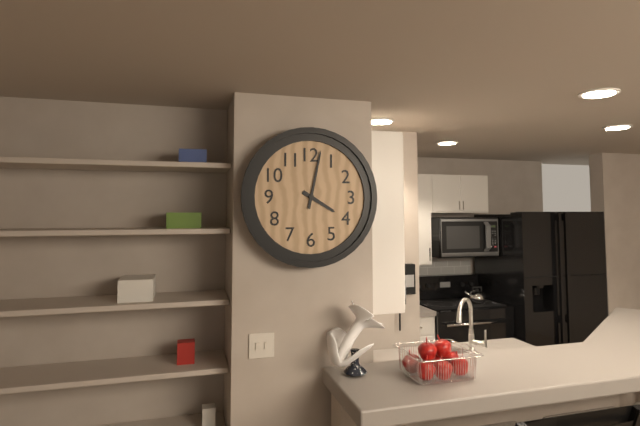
h=4 m=2
